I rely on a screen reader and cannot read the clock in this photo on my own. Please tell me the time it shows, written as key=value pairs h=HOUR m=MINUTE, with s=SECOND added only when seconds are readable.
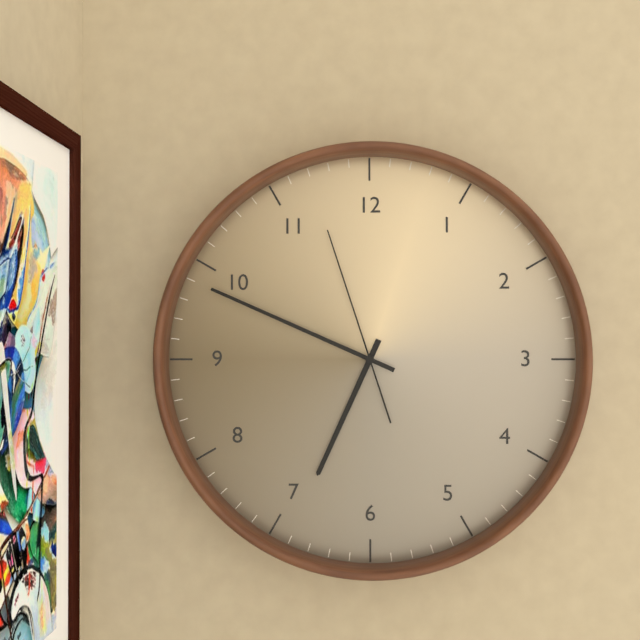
h=6 m=49 s=57
